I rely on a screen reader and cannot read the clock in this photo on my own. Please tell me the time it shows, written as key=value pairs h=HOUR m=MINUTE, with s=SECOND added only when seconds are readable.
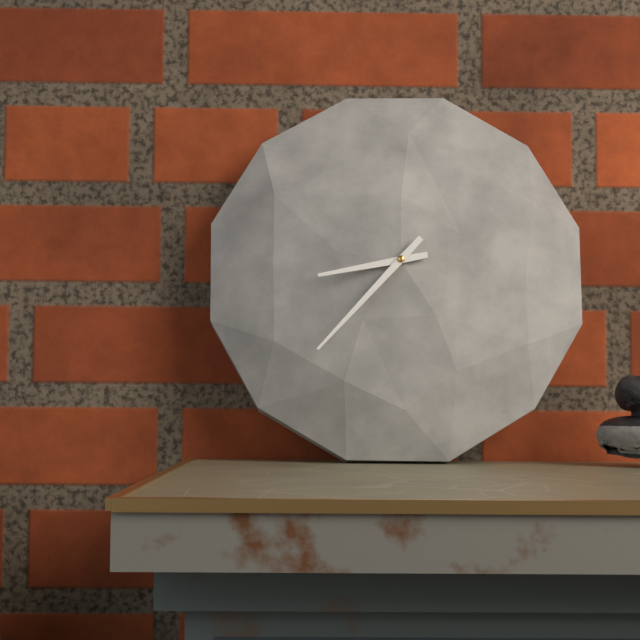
h=8 m=37
